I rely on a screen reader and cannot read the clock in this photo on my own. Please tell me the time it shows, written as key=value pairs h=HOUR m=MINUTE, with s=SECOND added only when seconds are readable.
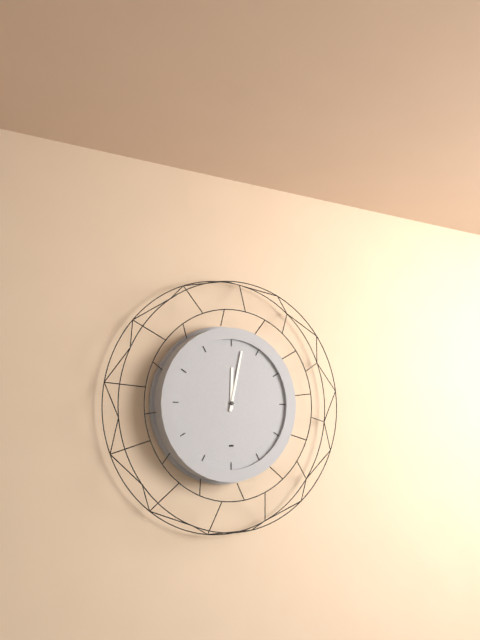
h=12 m=2
